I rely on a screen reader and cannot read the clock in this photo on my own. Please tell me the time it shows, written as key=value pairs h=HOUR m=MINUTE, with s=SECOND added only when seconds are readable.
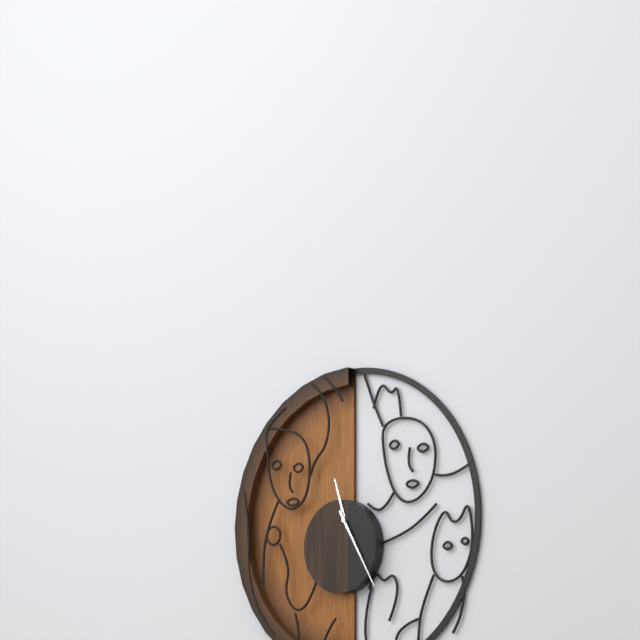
h=11 m=25
